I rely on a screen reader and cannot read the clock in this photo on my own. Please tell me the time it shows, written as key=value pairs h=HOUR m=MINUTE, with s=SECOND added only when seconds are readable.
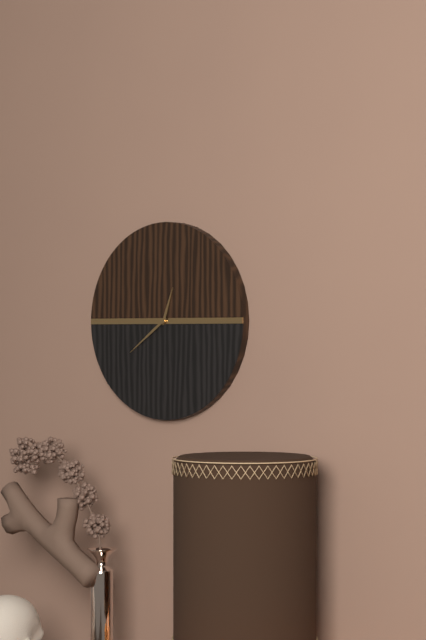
h=12 m=39
